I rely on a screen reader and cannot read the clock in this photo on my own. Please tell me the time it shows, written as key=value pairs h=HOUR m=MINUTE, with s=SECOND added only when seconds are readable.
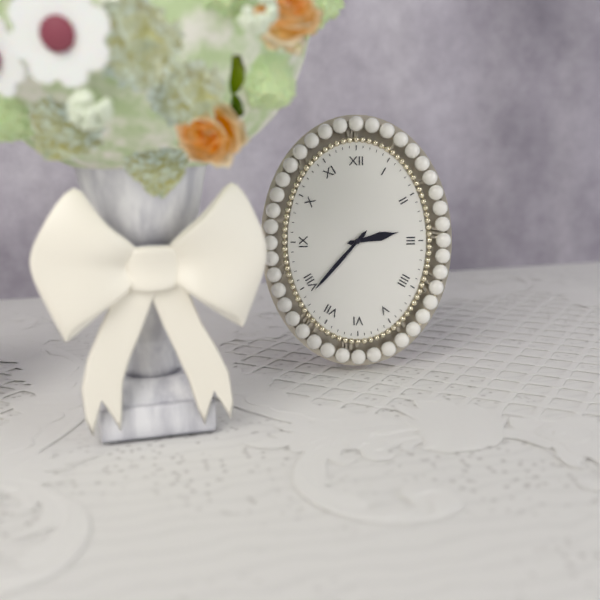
h=2 m=37
